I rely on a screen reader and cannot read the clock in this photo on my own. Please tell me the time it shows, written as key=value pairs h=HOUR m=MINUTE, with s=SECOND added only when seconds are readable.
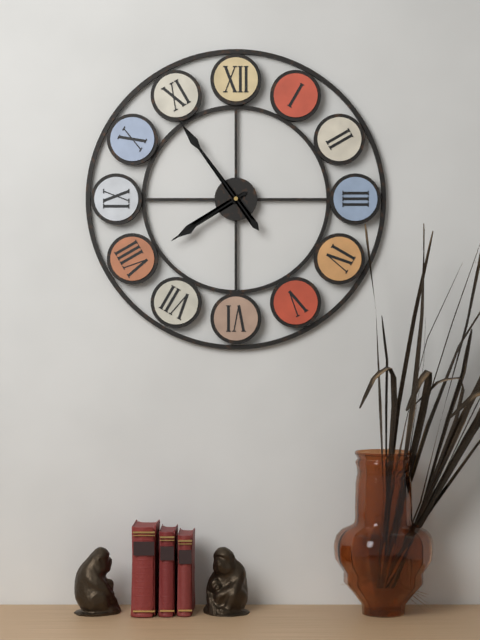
h=7 m=54
